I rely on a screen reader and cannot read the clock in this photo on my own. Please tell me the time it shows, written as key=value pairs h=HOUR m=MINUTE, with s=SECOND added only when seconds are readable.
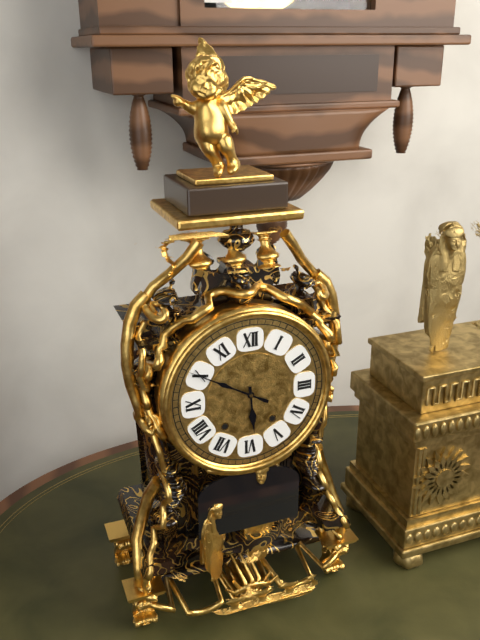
h=5 m=50
